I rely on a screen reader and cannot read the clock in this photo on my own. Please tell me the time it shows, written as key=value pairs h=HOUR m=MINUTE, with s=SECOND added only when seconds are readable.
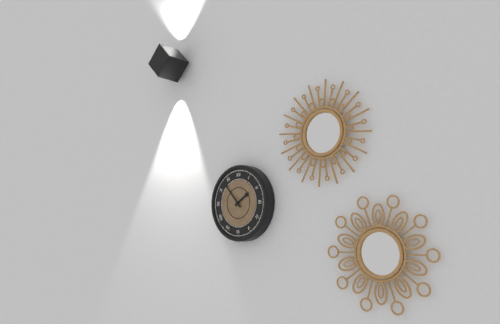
h=1 m=53
